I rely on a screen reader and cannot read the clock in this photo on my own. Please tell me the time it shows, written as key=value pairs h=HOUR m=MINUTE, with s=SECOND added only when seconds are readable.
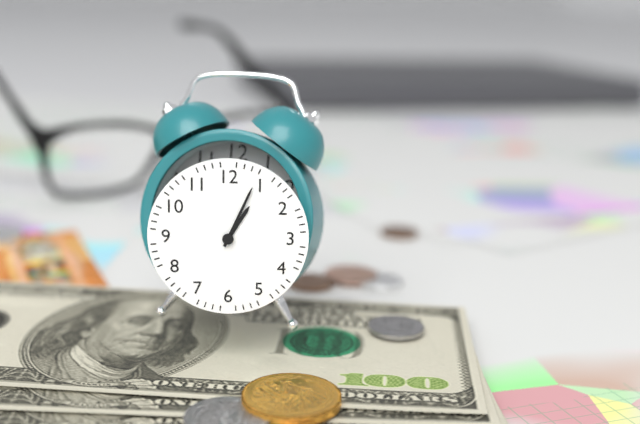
h=1 m=4
